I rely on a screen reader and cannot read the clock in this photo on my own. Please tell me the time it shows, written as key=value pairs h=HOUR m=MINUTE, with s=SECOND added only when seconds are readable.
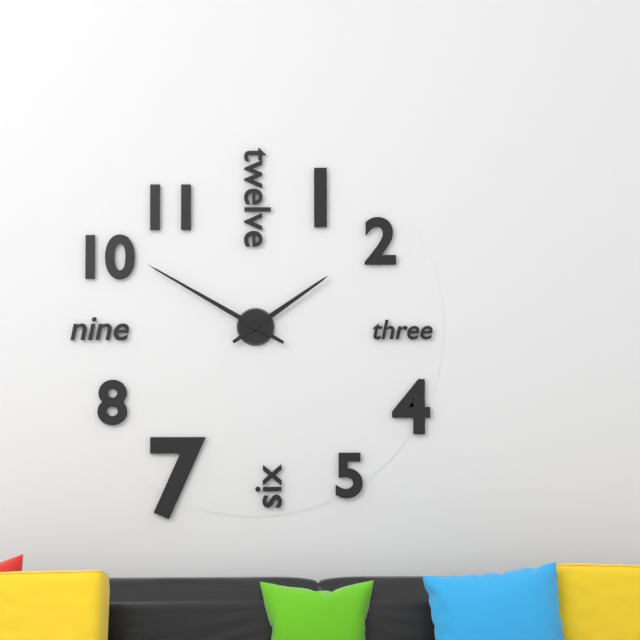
h=1 m=50
